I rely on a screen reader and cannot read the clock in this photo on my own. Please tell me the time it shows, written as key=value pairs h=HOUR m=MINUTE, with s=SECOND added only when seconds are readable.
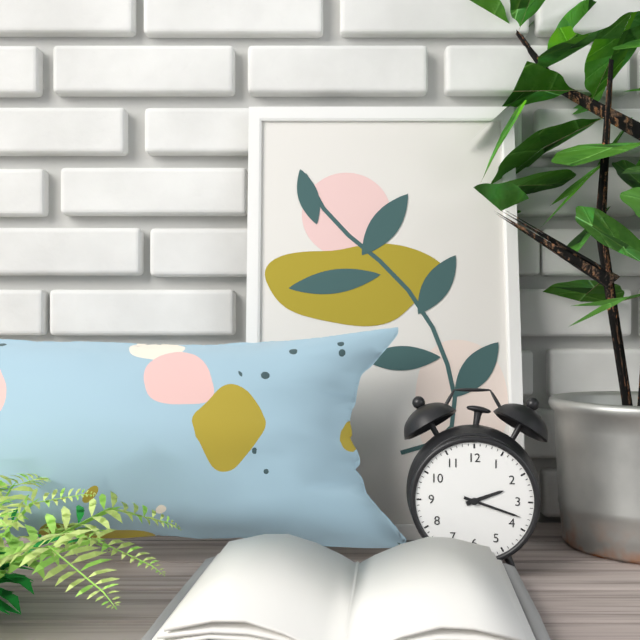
h=2 m=18
